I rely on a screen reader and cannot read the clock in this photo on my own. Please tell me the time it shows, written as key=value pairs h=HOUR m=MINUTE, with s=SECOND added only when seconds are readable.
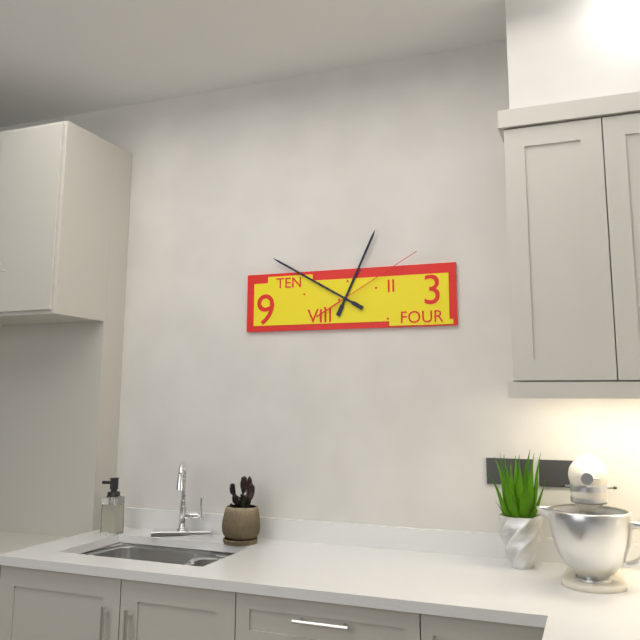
h=12 m=50 s=10
